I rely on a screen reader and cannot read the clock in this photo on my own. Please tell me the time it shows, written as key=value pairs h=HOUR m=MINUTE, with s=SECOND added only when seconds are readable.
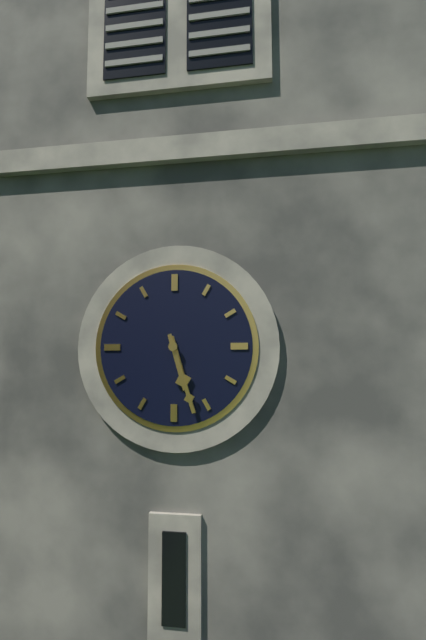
h=5 m=27
